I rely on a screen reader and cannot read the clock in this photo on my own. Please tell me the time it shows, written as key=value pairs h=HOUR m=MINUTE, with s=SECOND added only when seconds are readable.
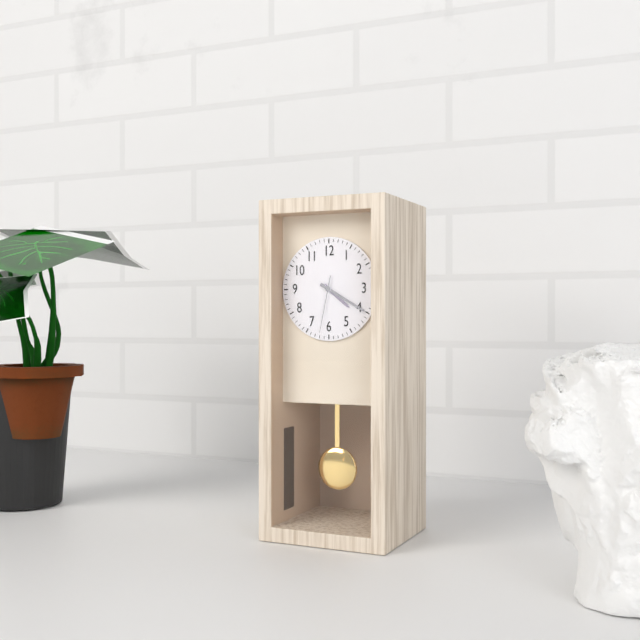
h=4 m=20 s=32
